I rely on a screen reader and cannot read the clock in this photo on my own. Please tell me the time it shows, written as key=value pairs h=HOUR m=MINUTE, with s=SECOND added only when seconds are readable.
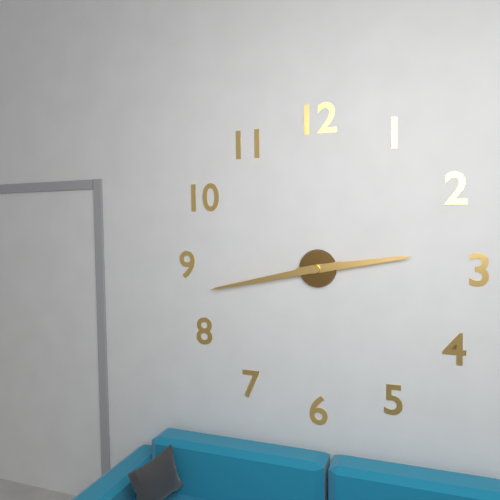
h=2 m=43
